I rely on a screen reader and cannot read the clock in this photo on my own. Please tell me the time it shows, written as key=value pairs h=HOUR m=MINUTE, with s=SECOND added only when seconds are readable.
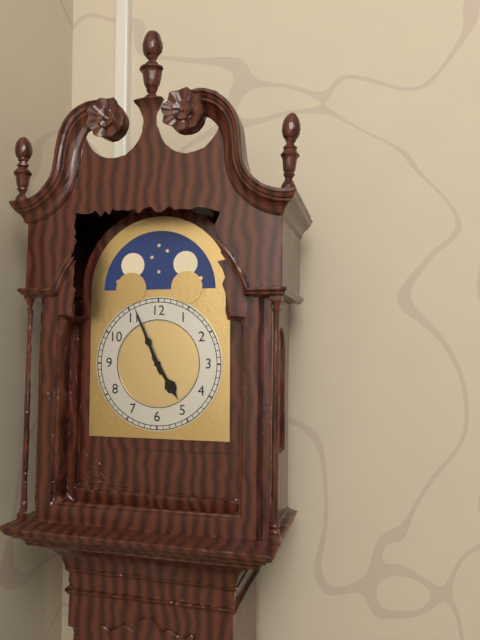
h=4 m=56
